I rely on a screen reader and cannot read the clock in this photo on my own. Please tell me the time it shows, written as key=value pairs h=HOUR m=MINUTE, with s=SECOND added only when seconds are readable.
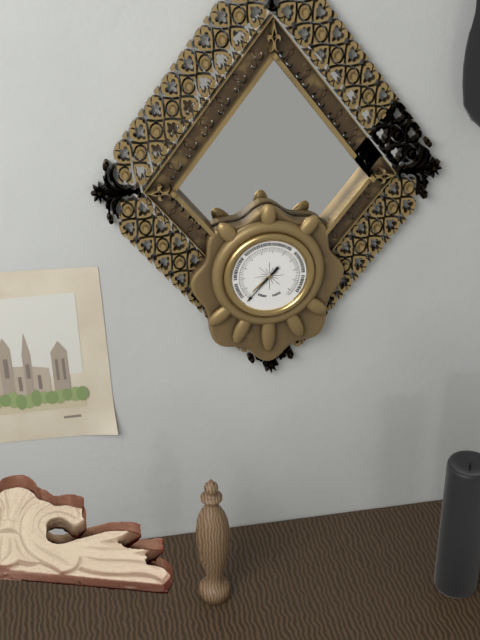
h=7 m=37
